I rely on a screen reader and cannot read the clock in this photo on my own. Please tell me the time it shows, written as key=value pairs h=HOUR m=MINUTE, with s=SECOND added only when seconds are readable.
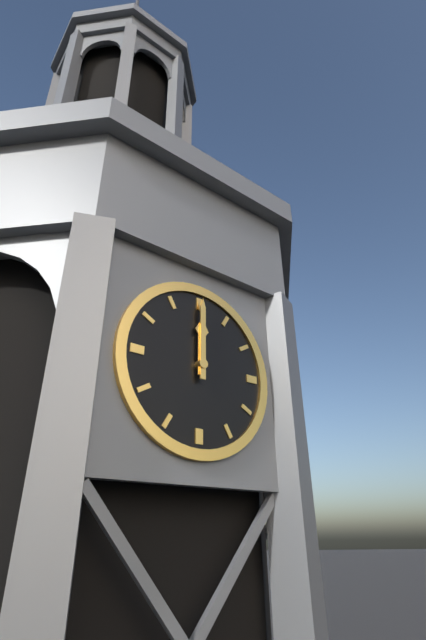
h=12 m=0
